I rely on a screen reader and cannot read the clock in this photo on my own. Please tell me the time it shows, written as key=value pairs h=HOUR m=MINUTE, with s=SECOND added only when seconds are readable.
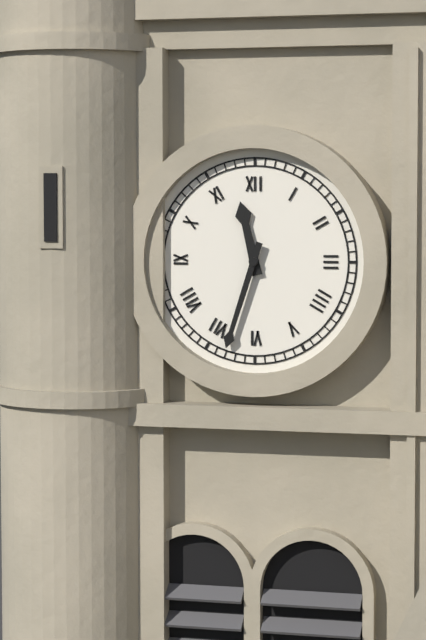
h=11 m=33
